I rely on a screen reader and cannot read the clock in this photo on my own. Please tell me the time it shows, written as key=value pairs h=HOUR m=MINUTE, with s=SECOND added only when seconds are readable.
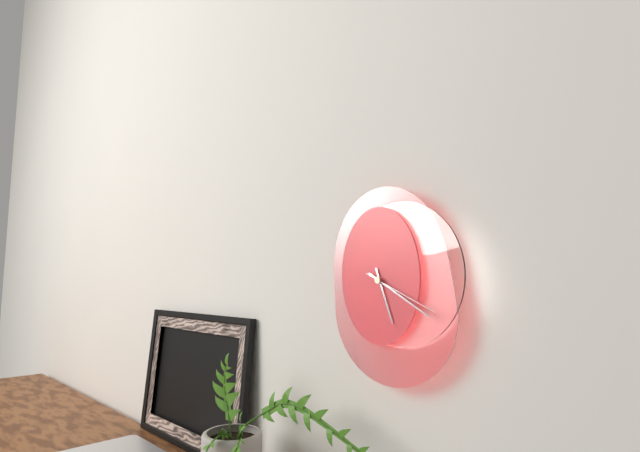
h=5 m=20 s=19
